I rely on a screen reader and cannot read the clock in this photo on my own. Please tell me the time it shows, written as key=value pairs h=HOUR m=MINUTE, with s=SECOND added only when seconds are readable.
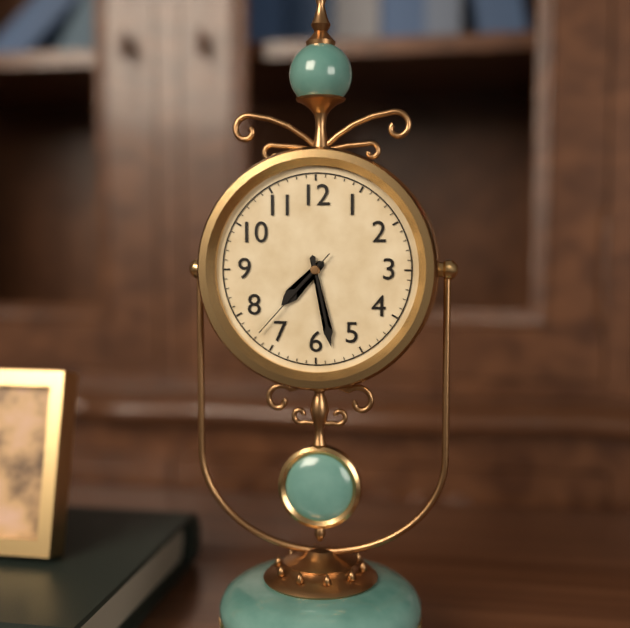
h=7 m=28 s=37
